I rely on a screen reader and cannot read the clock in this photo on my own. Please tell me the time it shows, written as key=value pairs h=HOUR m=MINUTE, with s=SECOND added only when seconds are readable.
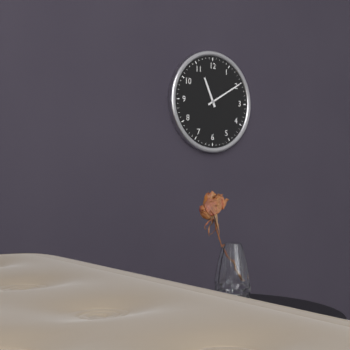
h=11 m=10
